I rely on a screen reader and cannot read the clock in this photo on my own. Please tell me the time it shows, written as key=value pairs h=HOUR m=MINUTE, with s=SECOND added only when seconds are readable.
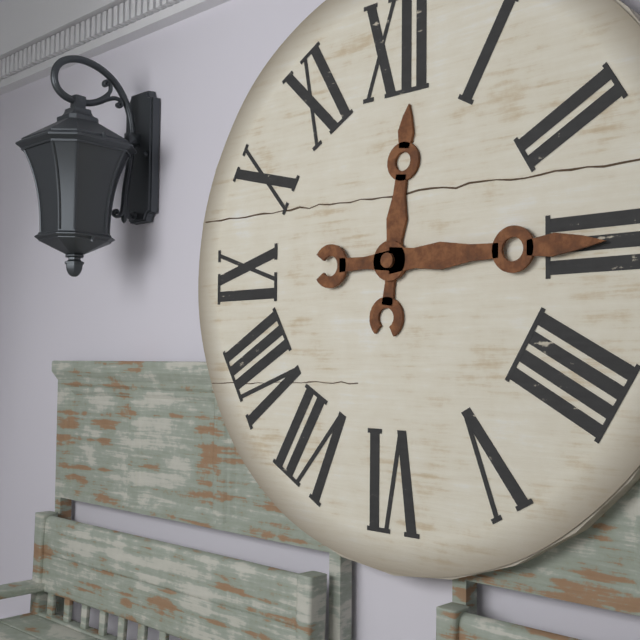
h=12 m=15
